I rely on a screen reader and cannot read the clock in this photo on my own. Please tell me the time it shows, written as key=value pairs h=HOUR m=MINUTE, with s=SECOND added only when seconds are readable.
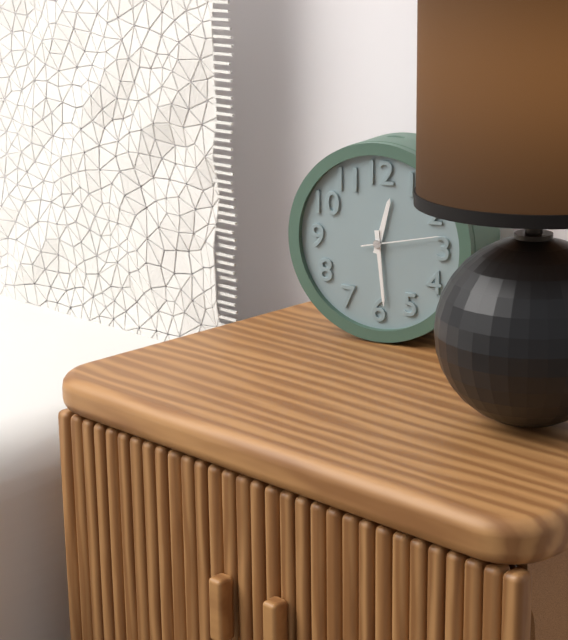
h=12 m=29 s=13
